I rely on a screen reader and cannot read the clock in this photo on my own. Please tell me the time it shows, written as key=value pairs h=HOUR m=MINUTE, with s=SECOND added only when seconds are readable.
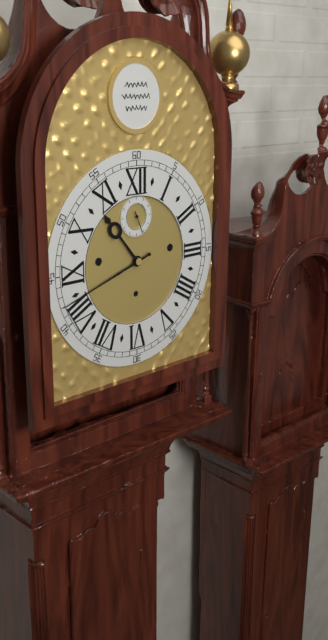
h=10 m=42
